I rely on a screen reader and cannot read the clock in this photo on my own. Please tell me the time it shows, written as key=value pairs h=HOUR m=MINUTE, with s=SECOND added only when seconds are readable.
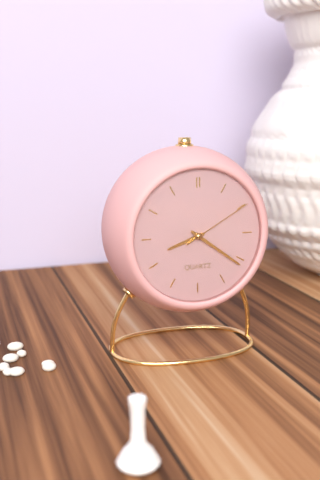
h=8 m=21 s=10
